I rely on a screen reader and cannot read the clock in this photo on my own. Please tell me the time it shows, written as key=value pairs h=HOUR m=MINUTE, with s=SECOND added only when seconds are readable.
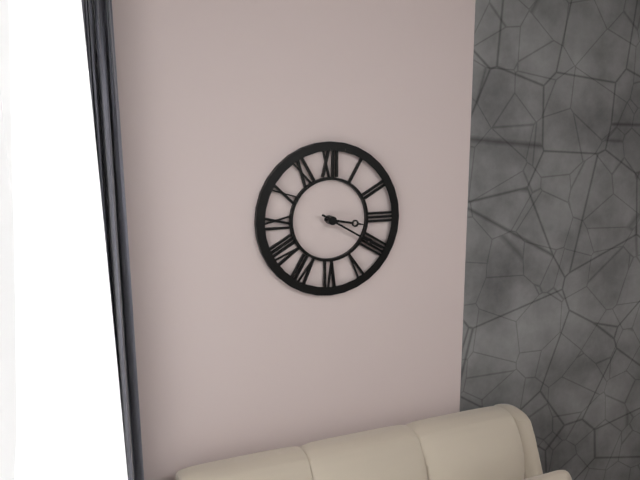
h=3 m=20
